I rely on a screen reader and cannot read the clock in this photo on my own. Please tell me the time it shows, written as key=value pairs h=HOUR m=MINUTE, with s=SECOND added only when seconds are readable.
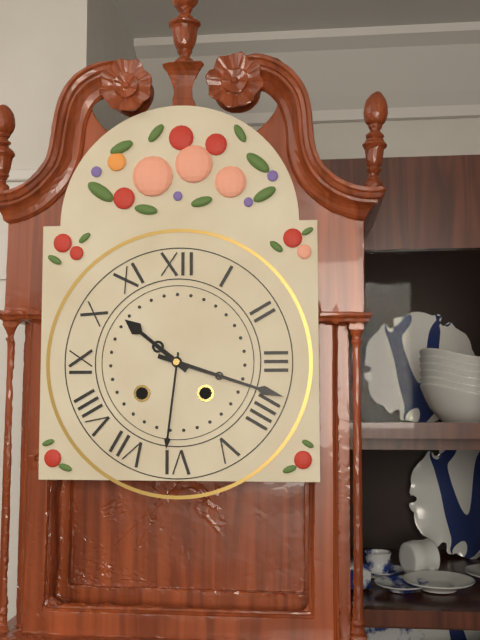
h=10 m=18
